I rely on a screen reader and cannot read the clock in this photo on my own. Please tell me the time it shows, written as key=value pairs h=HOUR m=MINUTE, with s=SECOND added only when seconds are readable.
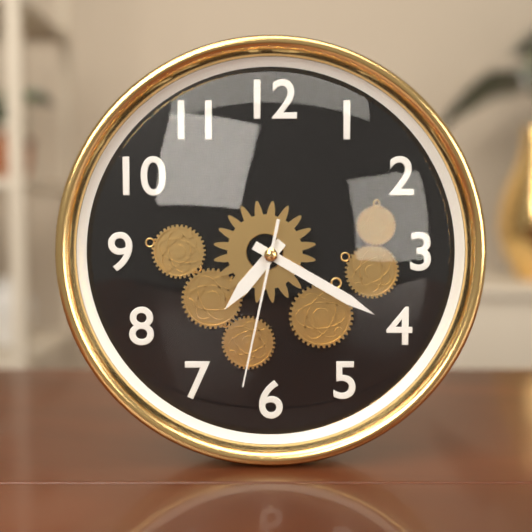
h=7 m=20 s=32
